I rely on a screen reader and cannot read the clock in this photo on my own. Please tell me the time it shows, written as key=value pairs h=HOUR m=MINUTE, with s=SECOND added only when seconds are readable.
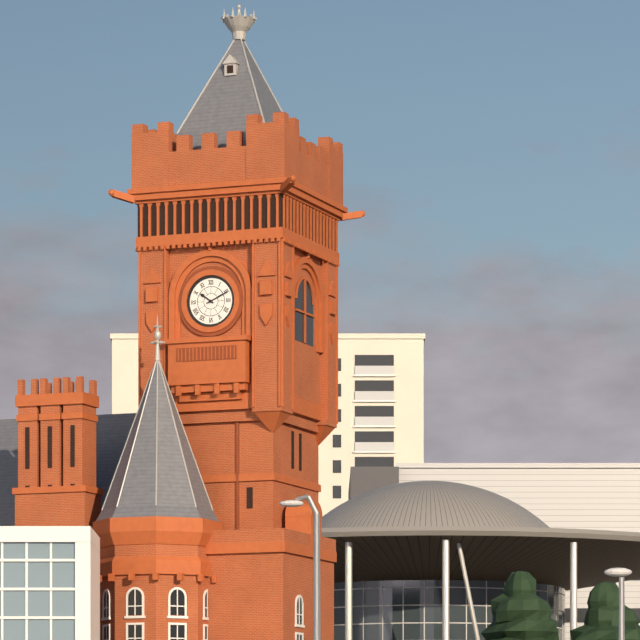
h=10 m=11
